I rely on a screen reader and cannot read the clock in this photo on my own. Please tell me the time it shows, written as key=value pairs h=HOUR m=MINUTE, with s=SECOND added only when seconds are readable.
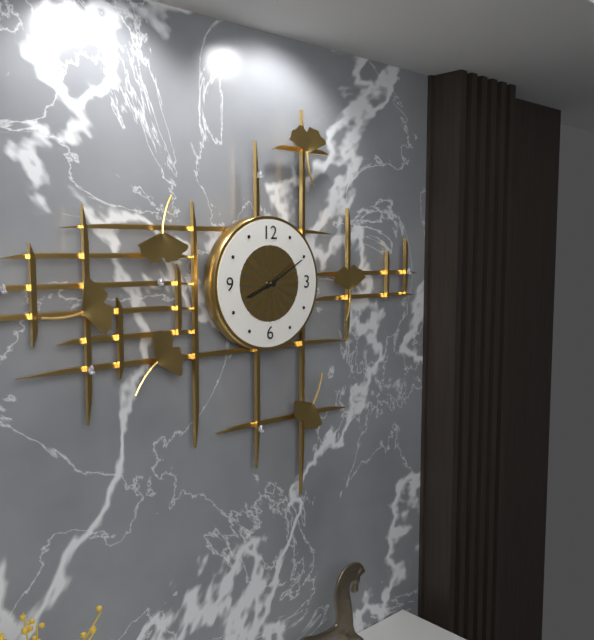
h=8 m=10
